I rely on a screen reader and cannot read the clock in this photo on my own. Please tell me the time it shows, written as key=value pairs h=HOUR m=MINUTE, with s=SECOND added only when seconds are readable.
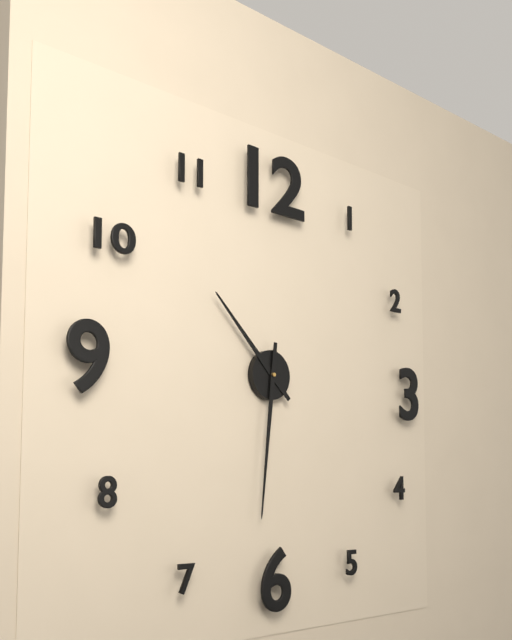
h=10 m=31
